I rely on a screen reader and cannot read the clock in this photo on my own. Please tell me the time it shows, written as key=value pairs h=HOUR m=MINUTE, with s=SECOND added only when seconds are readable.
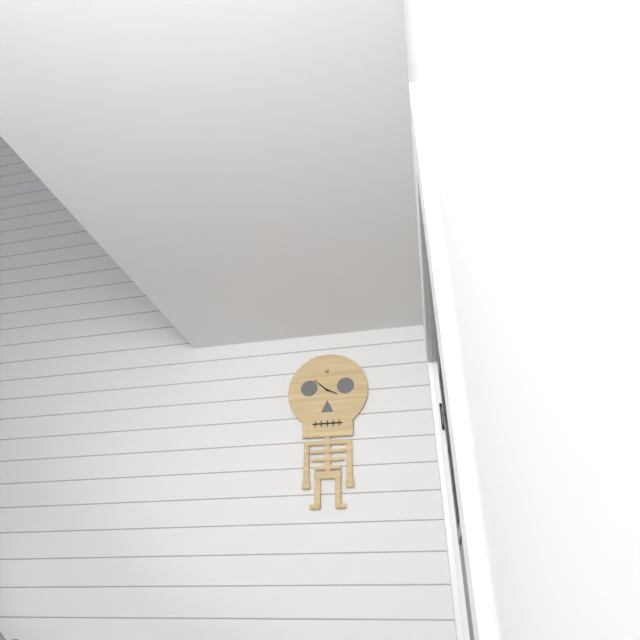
h=3 m=52
